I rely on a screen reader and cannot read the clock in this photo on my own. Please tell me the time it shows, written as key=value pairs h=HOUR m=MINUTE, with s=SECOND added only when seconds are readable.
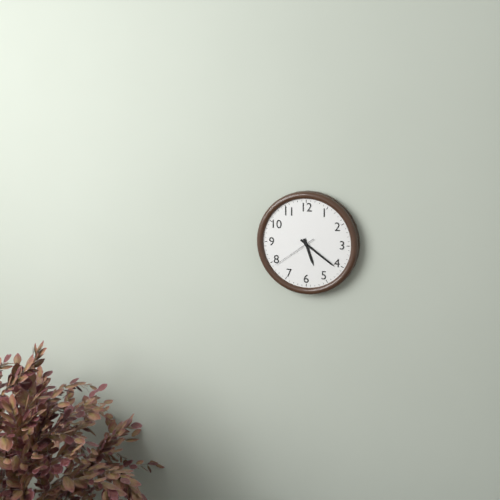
h=5 m=21
